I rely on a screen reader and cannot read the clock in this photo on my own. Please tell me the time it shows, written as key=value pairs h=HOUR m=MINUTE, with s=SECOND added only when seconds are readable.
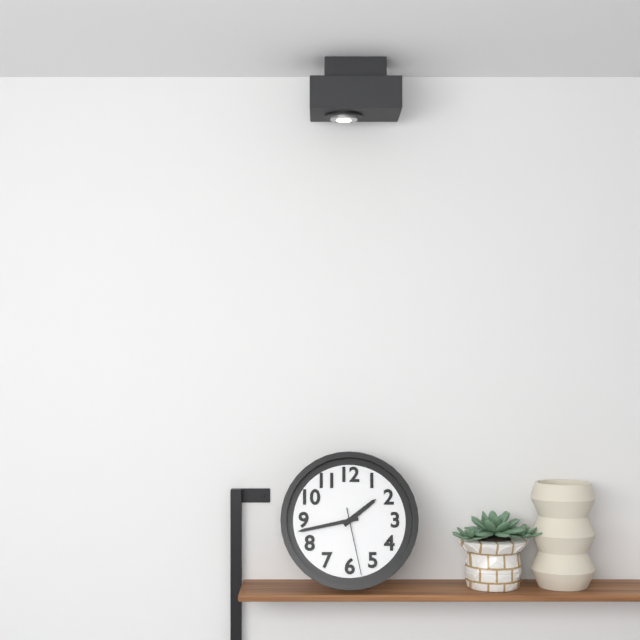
h=1 m=43 s=28
